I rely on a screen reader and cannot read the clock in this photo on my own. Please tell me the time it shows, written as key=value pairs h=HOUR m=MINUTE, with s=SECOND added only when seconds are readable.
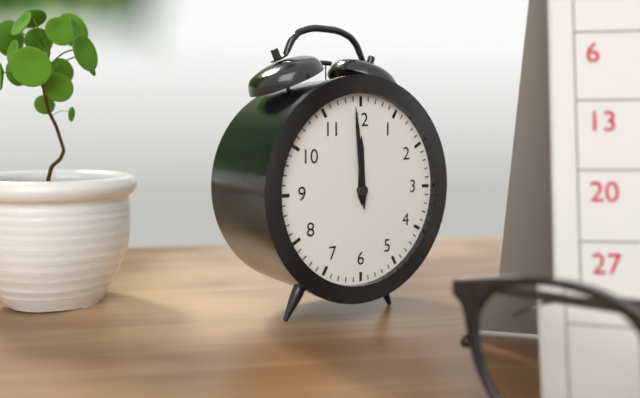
h=11 m=59
